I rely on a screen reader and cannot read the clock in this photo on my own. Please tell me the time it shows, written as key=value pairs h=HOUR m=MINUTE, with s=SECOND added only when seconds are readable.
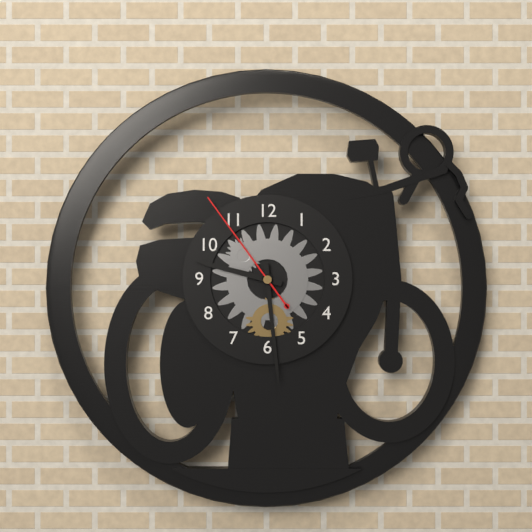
h=9 m=29 s=54
